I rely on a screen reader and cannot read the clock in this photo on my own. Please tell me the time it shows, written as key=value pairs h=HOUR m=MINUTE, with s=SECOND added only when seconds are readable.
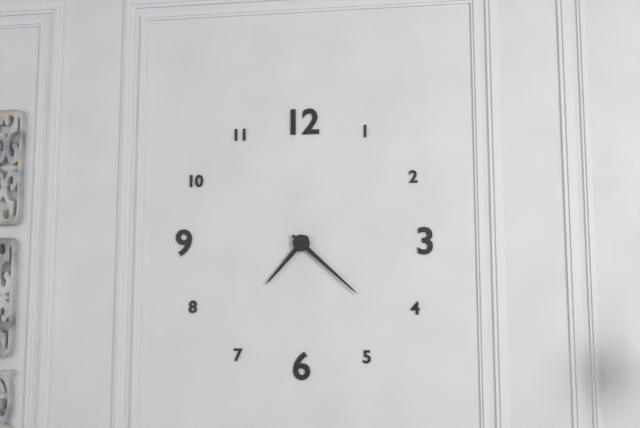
h=7 m=22
